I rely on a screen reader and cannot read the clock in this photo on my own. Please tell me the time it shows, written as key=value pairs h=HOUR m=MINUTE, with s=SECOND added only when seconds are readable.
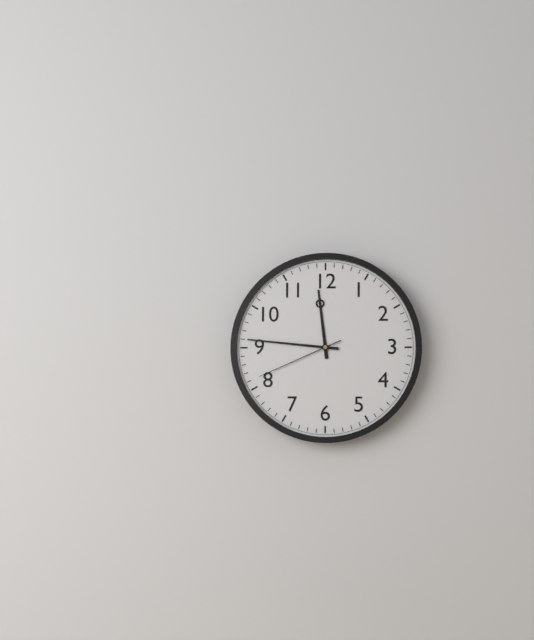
h=11 m=46 s=41
